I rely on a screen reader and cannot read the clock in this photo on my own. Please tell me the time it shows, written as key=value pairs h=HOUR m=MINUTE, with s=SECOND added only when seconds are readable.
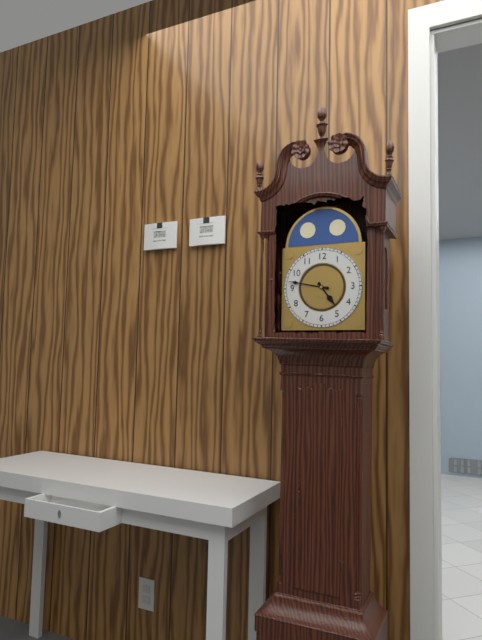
h=4 m=47
